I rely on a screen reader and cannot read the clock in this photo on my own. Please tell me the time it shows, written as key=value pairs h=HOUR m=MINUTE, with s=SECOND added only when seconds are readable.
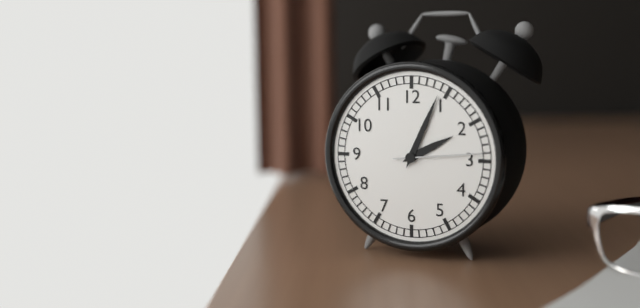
h=2 m=4 s=14
